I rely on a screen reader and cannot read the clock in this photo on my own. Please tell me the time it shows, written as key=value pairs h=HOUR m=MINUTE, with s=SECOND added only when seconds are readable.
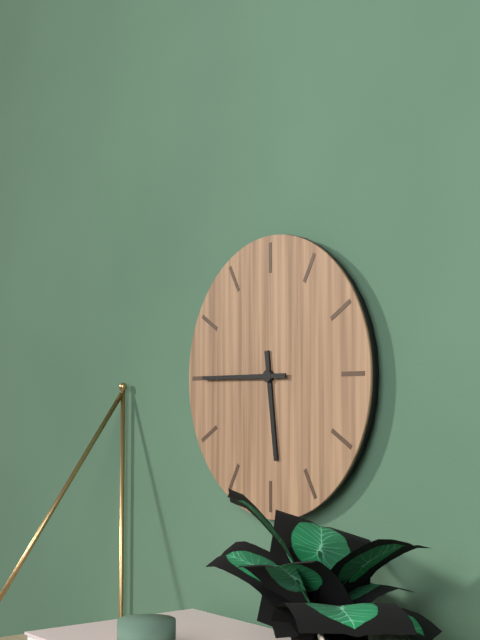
h=5 m=45
